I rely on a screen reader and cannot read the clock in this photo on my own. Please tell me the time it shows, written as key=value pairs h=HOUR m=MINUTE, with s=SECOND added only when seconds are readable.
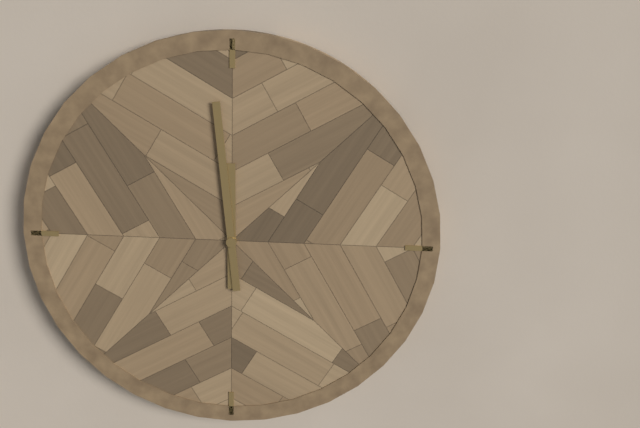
h=11 m=59
